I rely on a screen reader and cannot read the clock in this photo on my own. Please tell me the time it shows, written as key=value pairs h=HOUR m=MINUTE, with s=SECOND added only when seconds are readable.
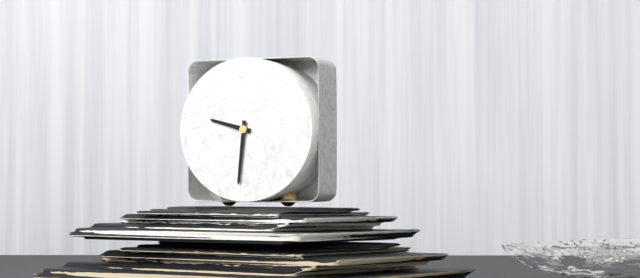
h=9 m=31
